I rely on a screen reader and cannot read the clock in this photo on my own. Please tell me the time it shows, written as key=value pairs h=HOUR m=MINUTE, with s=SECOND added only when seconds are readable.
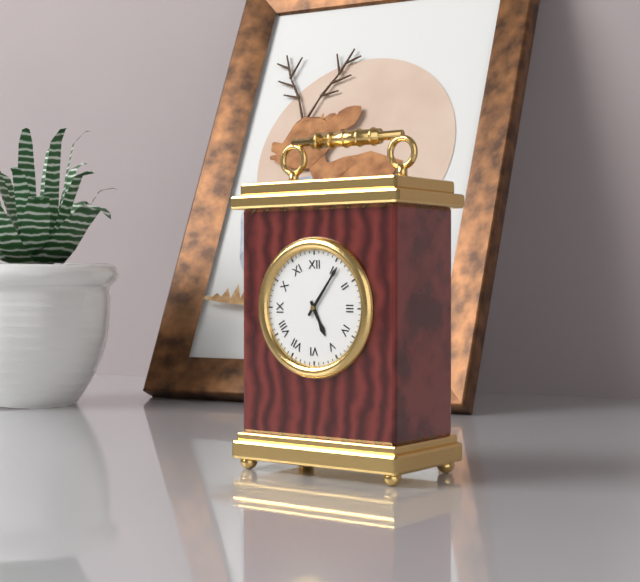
h=5 m=6
